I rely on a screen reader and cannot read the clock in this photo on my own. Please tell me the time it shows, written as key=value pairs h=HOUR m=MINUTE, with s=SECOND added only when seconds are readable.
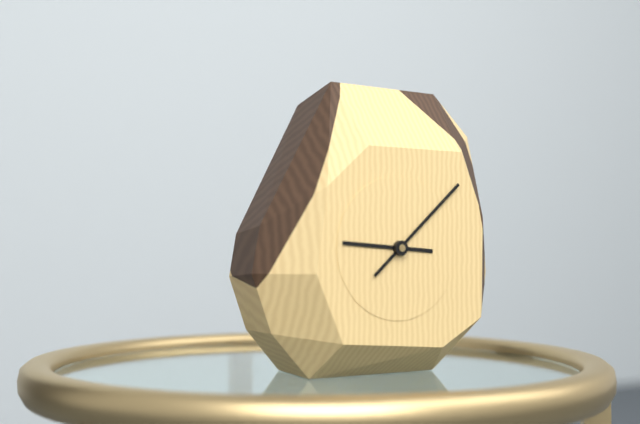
h=9 m=8
